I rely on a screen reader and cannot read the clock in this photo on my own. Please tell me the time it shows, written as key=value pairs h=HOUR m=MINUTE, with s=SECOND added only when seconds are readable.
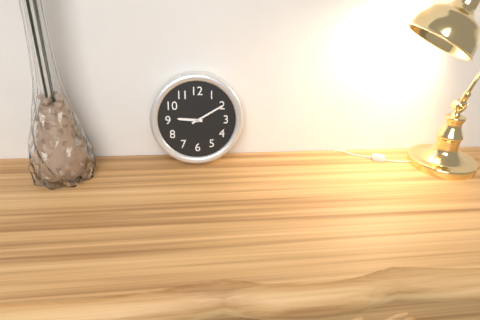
h=9 m=10
